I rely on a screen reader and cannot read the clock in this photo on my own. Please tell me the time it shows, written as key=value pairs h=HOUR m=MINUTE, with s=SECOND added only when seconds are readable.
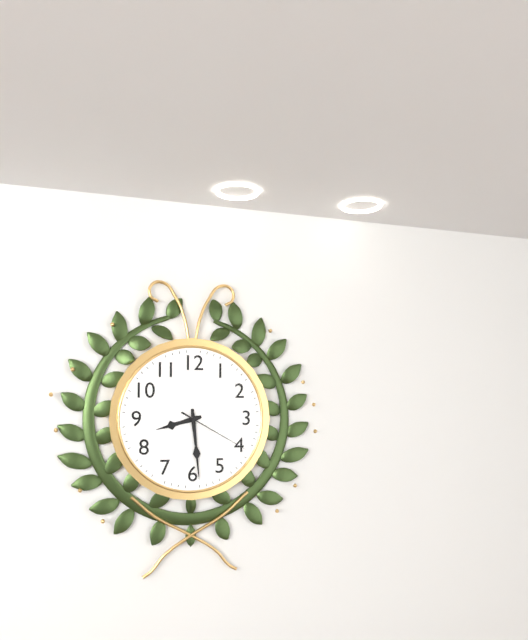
h=8 m=29 s=20
